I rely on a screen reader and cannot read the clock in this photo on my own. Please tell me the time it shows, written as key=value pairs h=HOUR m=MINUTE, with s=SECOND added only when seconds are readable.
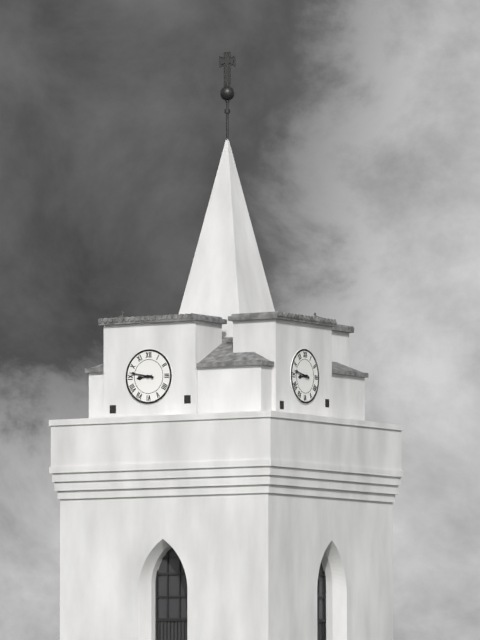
h=8 m=47
